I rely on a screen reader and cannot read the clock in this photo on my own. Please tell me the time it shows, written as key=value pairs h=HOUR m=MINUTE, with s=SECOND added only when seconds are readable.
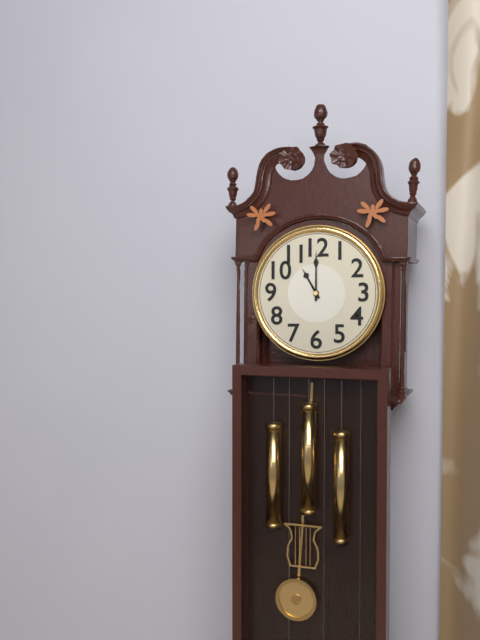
h=11 m=0
